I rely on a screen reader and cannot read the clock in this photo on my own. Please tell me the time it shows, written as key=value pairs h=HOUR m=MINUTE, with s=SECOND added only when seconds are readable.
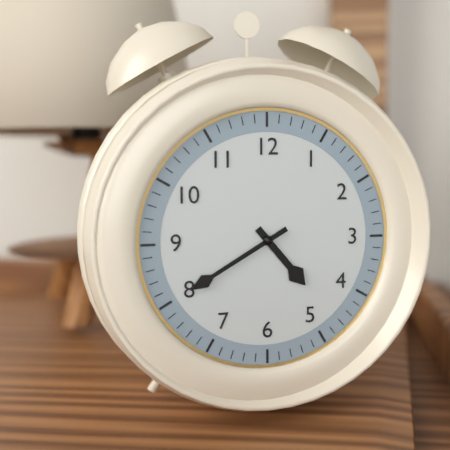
h=4 m=40
